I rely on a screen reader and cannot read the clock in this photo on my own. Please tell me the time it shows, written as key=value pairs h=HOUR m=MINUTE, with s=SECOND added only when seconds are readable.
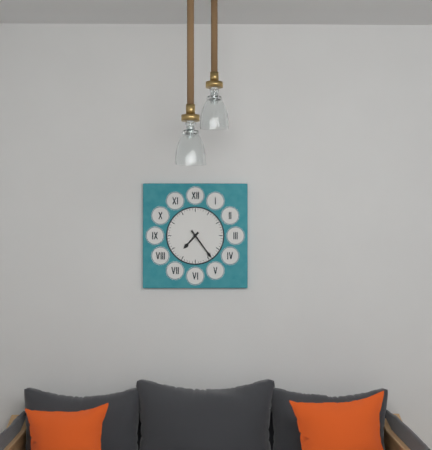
h=7 m=24
